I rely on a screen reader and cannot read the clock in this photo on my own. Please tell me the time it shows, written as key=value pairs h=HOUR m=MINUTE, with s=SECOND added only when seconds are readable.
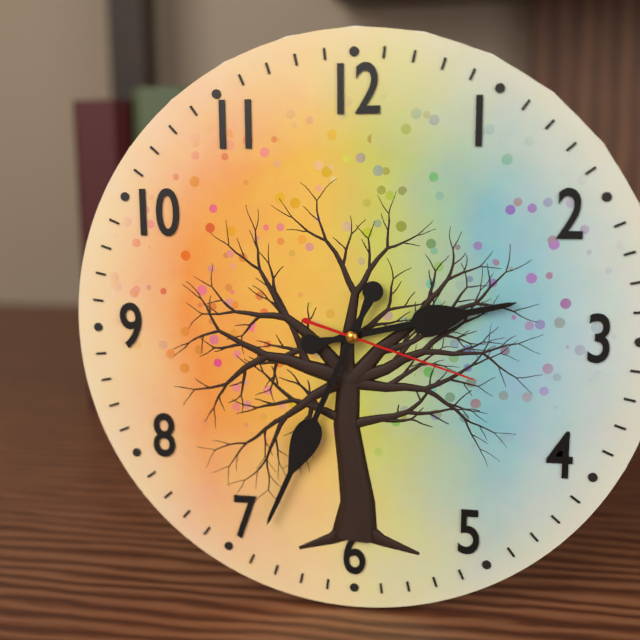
h=2 m=34 s=18
